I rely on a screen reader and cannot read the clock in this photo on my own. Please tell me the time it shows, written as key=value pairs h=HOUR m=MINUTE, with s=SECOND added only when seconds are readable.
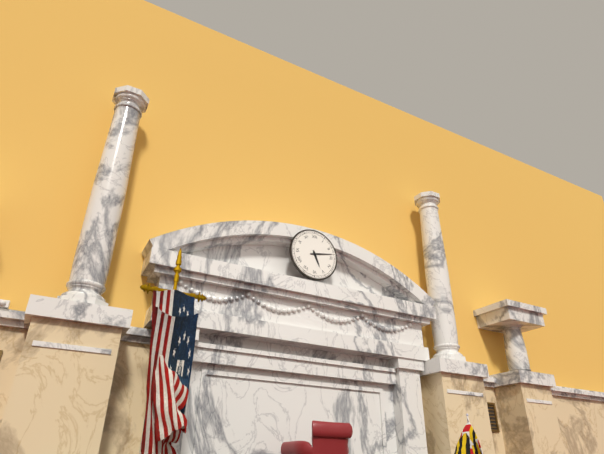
h=5 m=13
